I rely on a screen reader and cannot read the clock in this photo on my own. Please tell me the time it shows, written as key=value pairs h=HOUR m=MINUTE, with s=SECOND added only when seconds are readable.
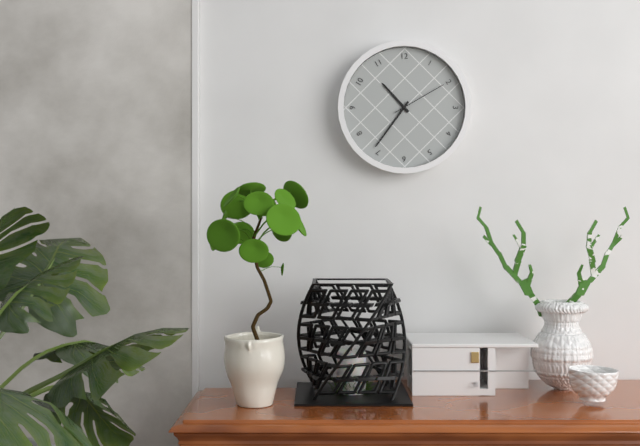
h=10 m=36 s=10
